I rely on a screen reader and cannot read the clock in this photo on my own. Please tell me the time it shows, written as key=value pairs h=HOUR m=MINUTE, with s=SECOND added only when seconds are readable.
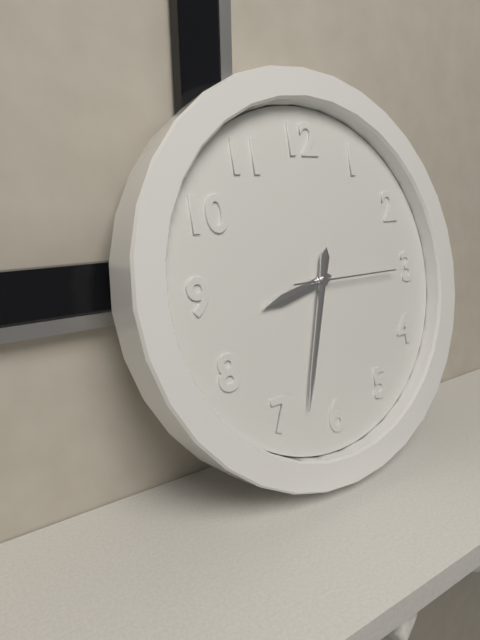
h=8 m=33 s=15
